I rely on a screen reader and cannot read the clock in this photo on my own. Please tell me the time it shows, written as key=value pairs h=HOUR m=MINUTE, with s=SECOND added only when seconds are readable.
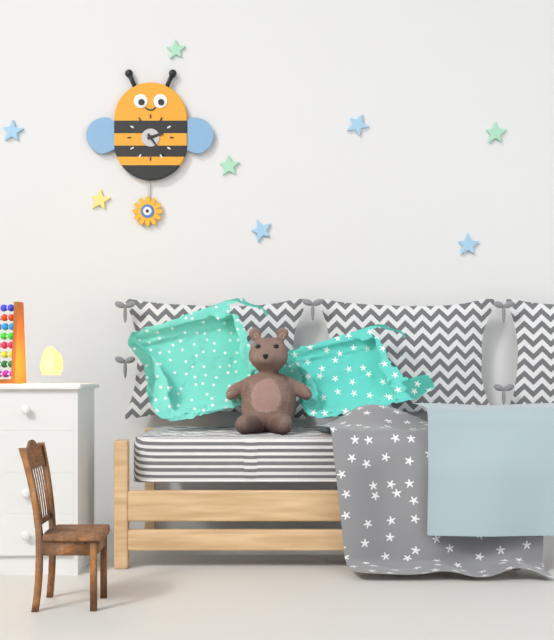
h=2 m=24
